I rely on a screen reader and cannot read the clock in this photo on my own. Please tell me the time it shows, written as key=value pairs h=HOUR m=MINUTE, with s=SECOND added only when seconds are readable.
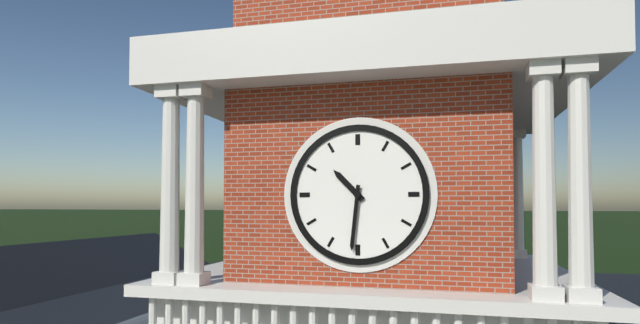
h=10 m=31
